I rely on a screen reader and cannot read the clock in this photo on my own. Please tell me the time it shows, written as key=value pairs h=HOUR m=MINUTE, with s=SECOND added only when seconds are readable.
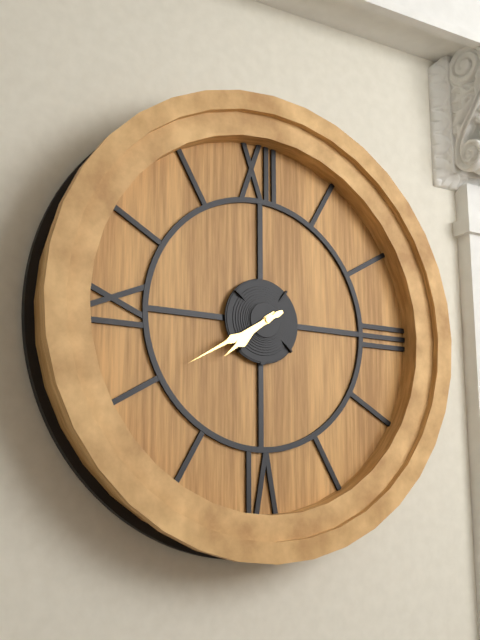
h=7 m=40
